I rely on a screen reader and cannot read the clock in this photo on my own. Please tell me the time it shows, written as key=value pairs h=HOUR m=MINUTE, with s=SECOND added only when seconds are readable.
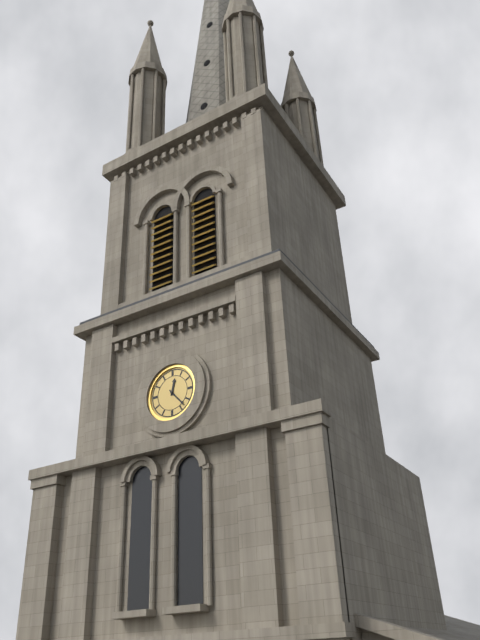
h=12 m=23
